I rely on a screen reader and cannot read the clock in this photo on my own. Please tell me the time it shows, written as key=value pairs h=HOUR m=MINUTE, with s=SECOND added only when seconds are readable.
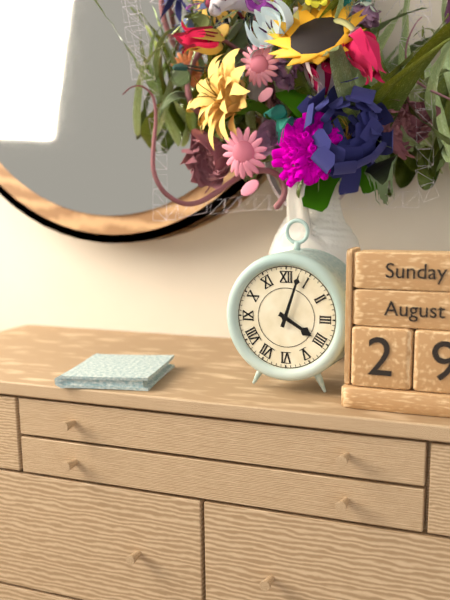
h=4 m=3
